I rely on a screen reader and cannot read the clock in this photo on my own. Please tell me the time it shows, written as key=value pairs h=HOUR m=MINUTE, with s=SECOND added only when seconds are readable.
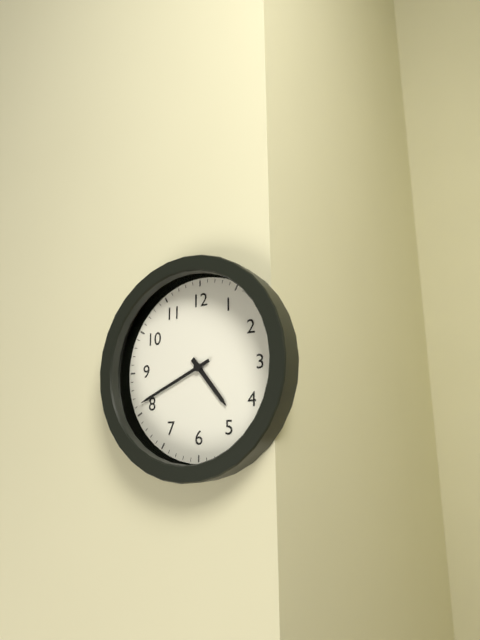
h=4 m=41
